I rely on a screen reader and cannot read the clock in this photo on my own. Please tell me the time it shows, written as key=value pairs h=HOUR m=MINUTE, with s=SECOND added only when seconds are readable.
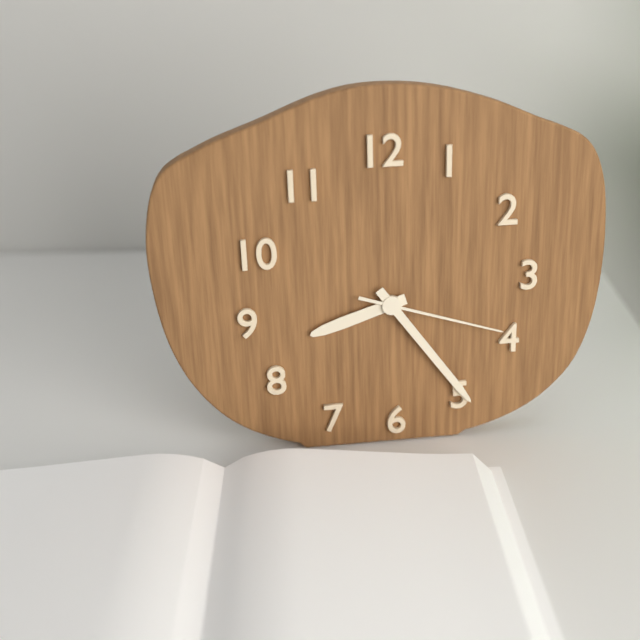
h=8 m=24 s=18
